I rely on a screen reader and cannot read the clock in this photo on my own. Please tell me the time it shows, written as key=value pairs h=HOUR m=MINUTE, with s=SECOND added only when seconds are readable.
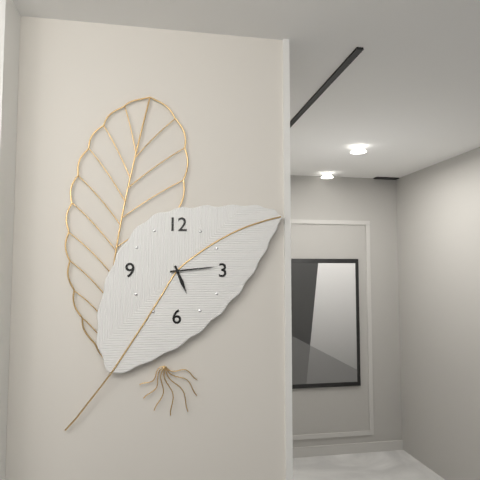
h=5 m=14
